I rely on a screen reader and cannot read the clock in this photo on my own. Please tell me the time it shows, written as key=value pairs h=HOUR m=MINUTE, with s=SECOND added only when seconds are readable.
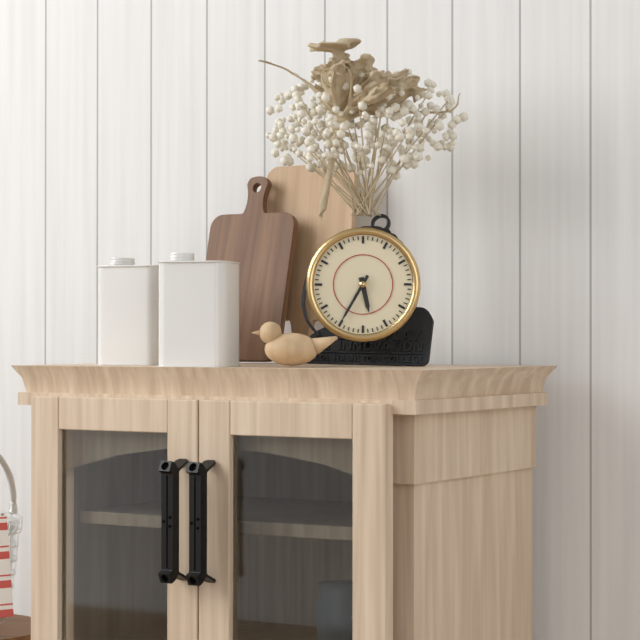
h=5 m=35
